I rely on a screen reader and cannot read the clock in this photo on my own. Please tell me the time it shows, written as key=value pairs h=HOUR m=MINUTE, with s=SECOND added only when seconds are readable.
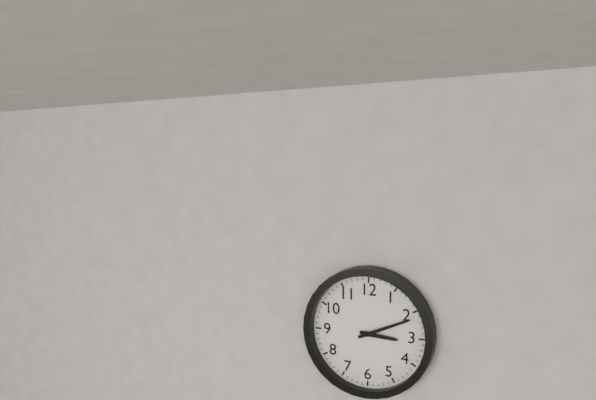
h=3 m=11
